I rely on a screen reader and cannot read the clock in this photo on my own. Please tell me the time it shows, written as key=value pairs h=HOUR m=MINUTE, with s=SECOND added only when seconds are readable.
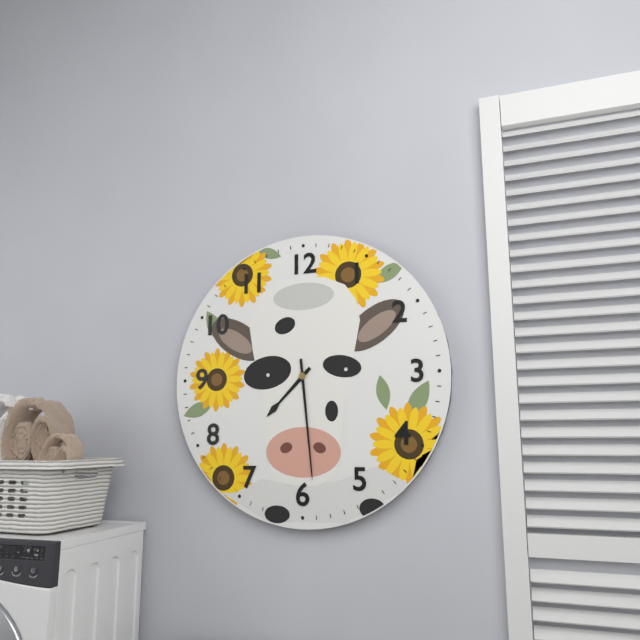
h=7 m=29
